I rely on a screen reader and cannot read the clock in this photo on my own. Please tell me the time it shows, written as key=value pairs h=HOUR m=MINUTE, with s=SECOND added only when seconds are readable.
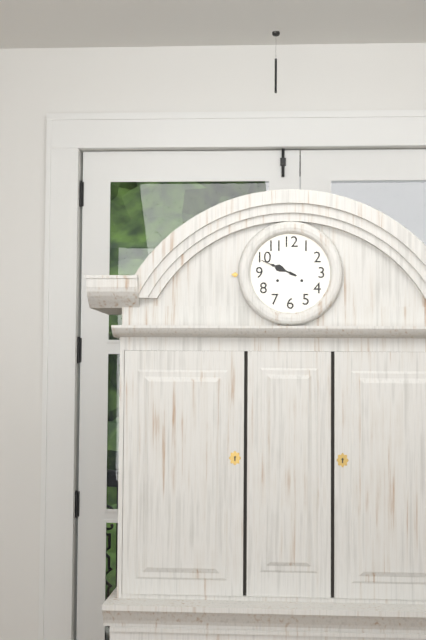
h=9 m=49
